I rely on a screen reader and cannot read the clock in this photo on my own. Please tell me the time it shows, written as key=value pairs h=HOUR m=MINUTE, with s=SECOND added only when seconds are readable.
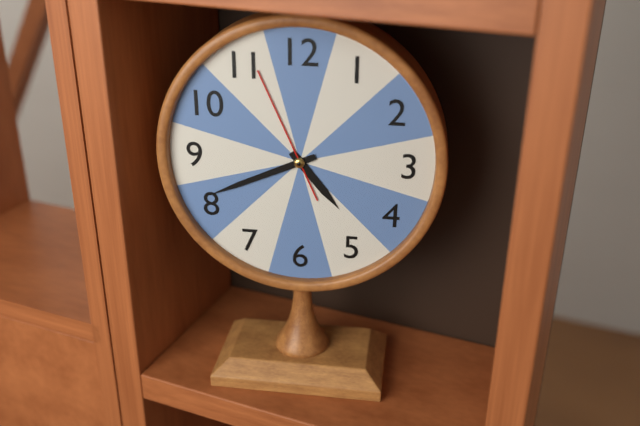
h=4 m=41 s=56
